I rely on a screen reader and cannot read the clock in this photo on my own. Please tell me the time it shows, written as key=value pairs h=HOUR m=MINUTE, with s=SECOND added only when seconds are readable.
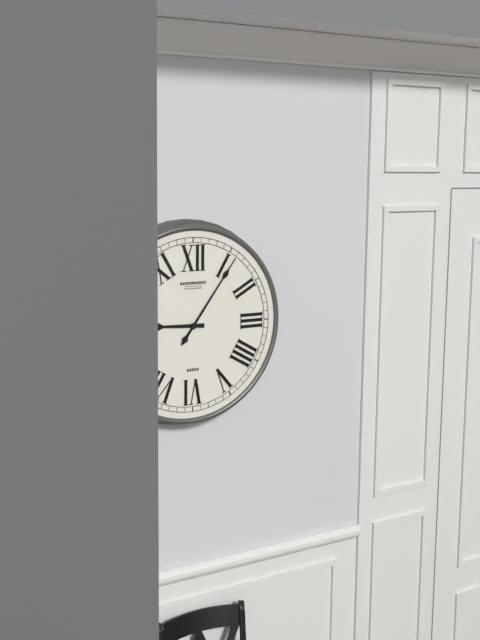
h=9 m=6
